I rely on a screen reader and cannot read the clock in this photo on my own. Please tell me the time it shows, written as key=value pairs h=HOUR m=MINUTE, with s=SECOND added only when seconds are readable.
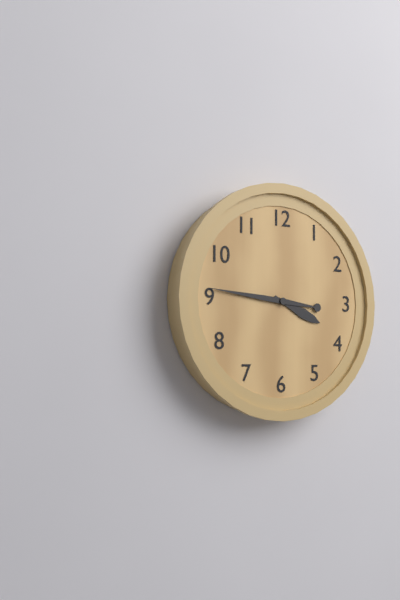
h=3 m=46
